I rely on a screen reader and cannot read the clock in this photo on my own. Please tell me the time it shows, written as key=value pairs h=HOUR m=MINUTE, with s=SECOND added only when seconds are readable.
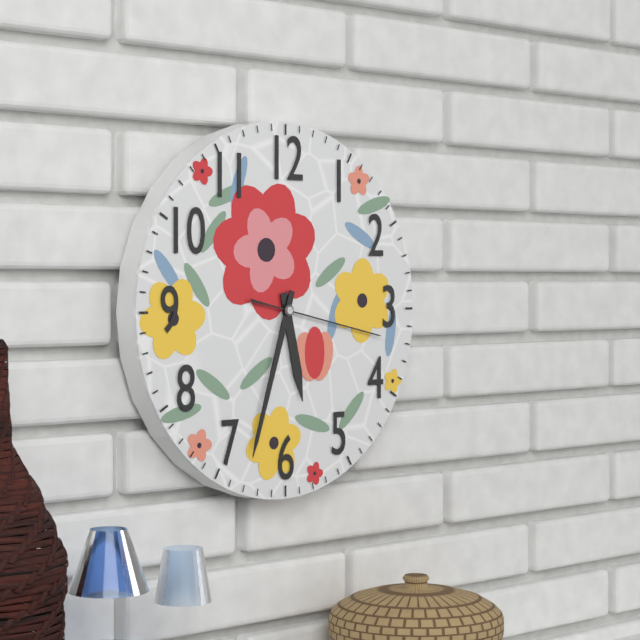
h=5 m=33 s=17
